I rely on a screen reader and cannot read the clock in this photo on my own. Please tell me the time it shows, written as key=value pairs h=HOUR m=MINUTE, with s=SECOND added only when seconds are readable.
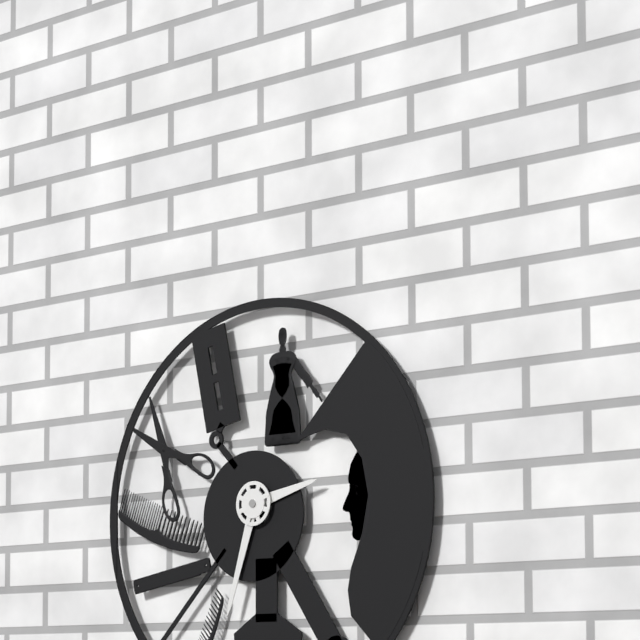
h=2 m=33
